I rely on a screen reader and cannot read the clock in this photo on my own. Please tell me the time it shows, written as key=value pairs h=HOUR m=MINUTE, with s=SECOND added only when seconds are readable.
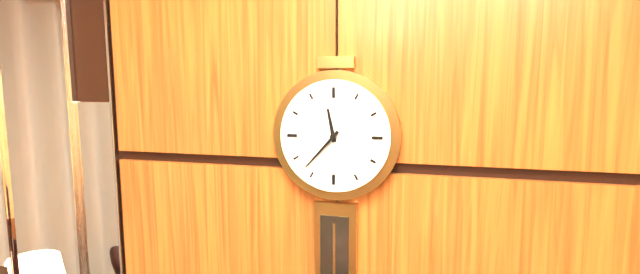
h=11 m=37
